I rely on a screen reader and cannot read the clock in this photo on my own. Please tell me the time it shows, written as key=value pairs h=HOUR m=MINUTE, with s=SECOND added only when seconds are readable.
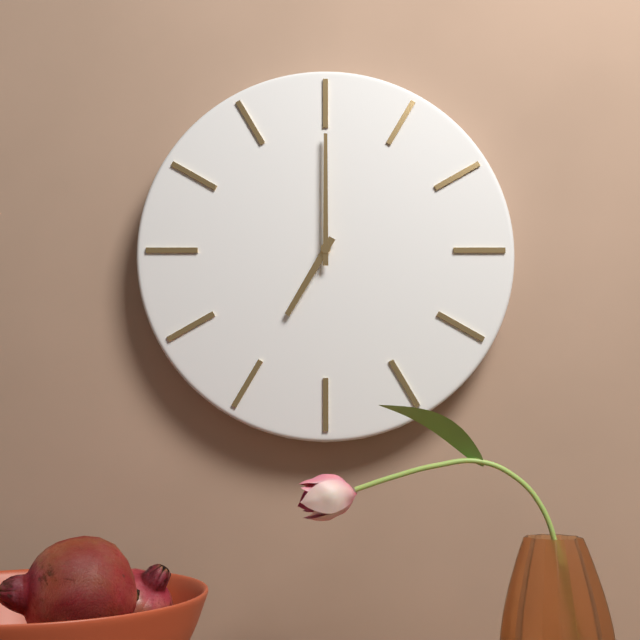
h=7 m=0
